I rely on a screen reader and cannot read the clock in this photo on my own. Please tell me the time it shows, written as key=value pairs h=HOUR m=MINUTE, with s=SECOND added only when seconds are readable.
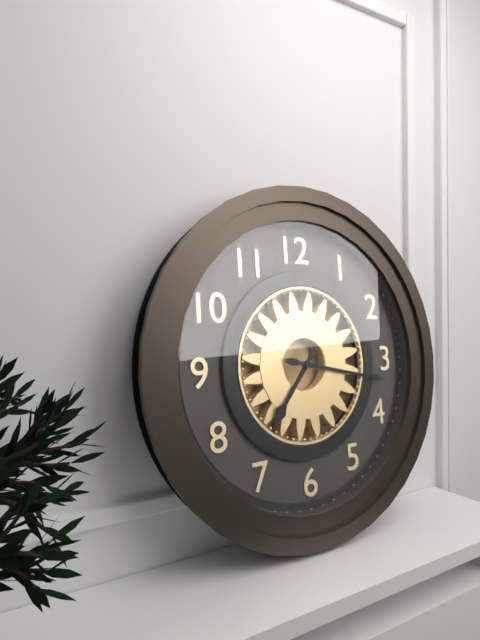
h=7 m=17
